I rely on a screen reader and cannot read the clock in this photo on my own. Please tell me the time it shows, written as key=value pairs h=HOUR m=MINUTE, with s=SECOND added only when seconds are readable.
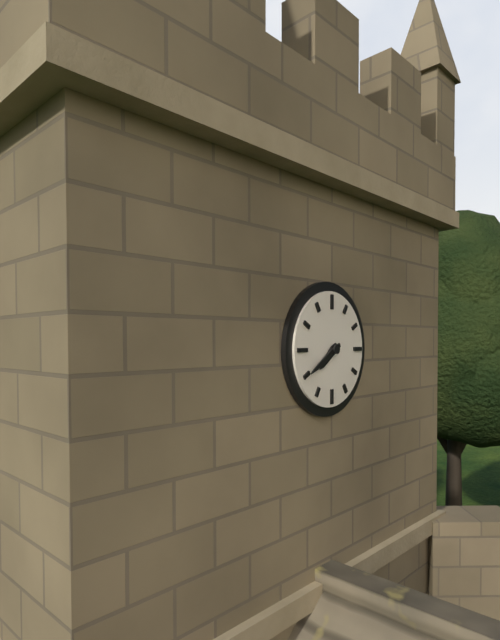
h=7 m=40
